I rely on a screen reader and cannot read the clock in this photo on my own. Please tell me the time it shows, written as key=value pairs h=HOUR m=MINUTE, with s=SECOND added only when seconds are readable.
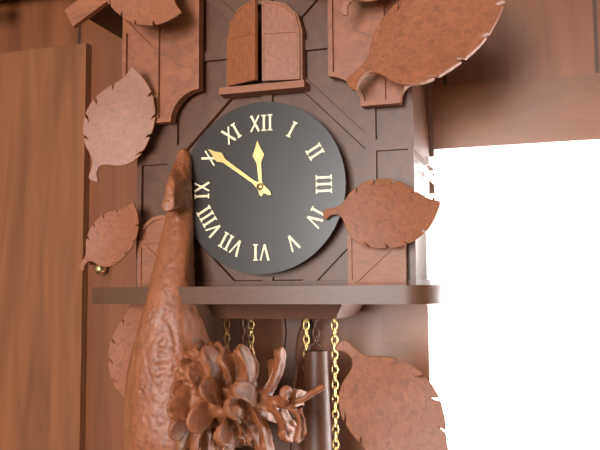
h=11 m=51
